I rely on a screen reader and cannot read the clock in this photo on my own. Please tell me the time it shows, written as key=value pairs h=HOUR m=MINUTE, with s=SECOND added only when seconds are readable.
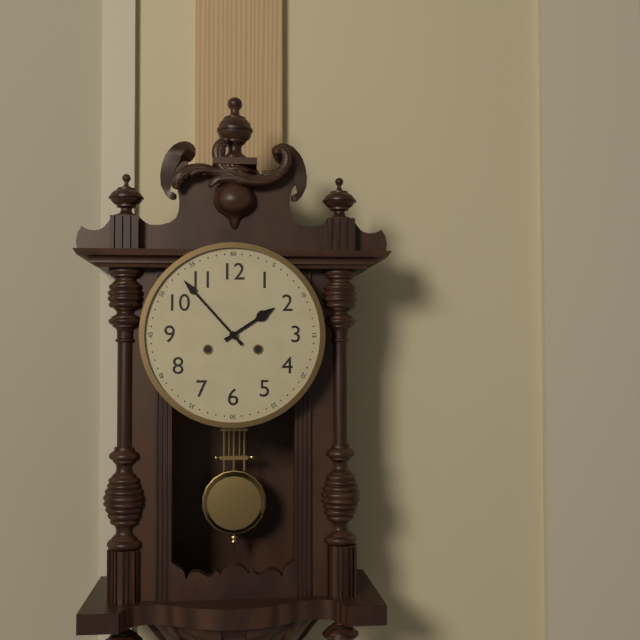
h=1 m=53
